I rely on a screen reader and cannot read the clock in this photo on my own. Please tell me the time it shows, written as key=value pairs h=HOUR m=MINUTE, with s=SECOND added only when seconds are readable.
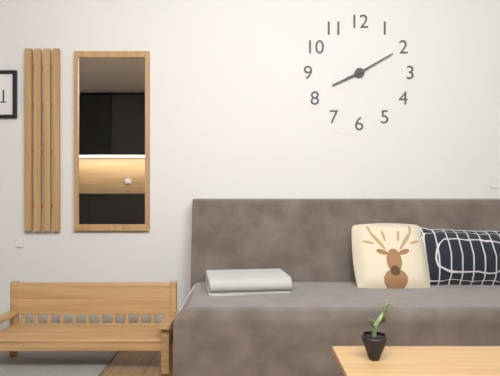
h=8 m=10
